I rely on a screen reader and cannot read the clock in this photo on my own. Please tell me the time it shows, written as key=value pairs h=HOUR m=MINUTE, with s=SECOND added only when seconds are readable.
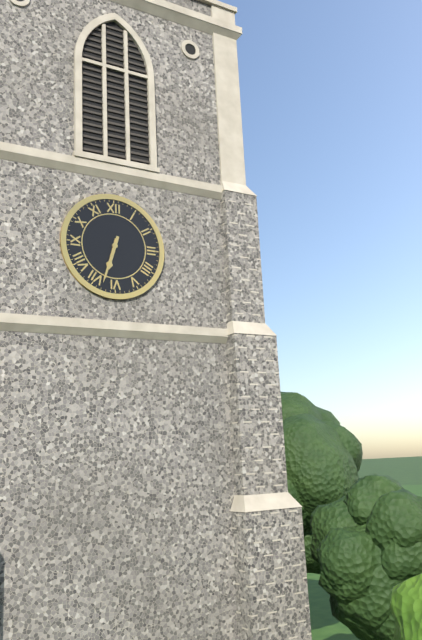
h=6 m=33
